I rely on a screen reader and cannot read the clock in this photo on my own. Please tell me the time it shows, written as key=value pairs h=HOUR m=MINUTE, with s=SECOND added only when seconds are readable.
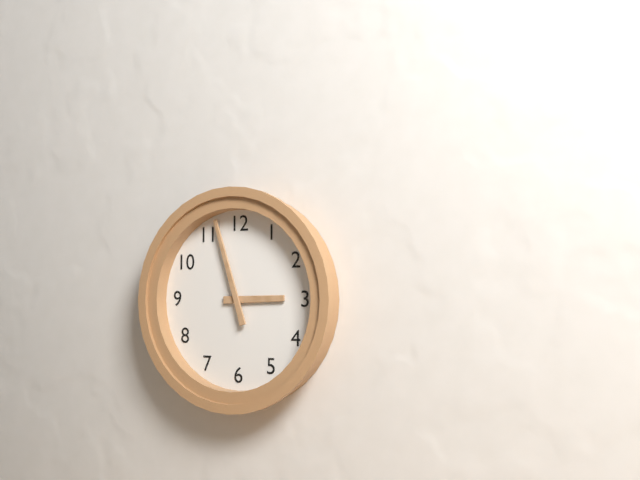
h=2 m=57
